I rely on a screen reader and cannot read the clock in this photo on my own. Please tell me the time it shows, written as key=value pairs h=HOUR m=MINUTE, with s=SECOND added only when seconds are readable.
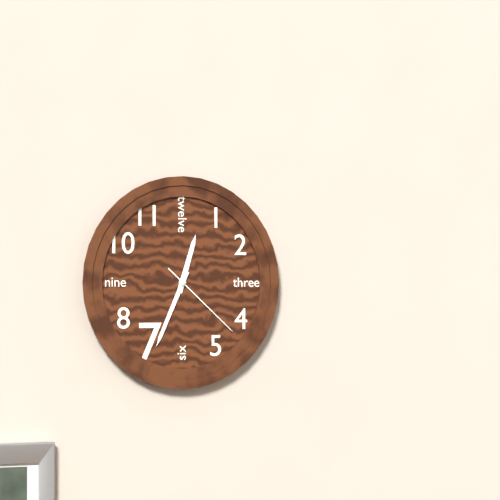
h=12 m=34 s=22
